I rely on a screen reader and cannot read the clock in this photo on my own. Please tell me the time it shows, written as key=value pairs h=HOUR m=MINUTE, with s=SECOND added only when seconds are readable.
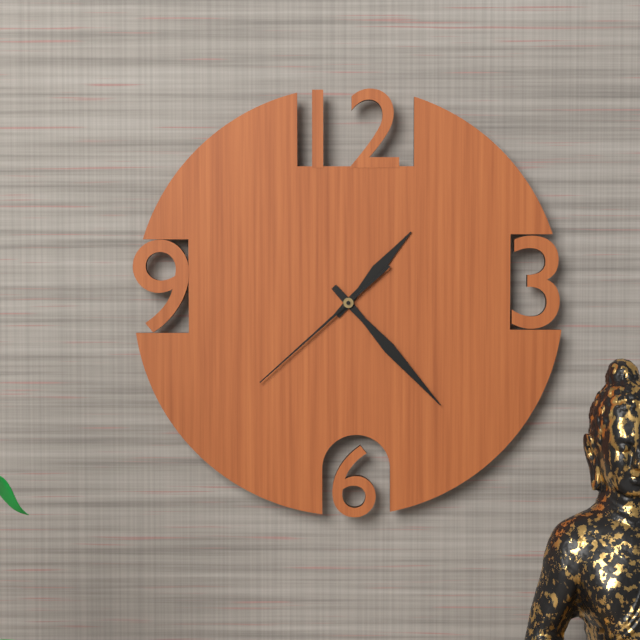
h=1 m=23 s=38
